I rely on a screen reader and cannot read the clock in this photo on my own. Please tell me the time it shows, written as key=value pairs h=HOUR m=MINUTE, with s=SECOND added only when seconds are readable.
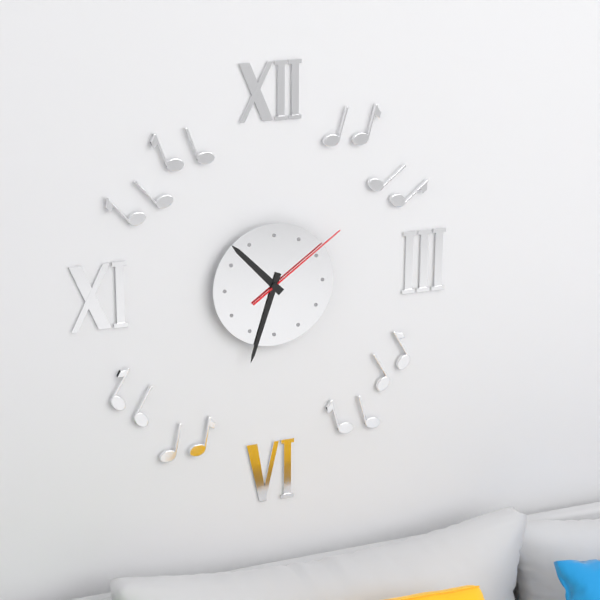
h=10 m=33 s=9
